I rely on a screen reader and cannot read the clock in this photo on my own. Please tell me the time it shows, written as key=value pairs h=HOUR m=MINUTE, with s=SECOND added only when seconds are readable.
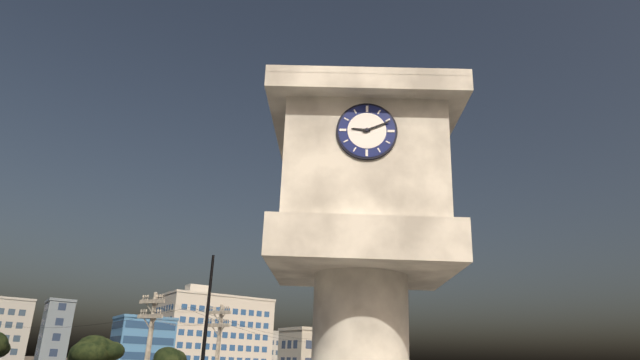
h=9 m=11
